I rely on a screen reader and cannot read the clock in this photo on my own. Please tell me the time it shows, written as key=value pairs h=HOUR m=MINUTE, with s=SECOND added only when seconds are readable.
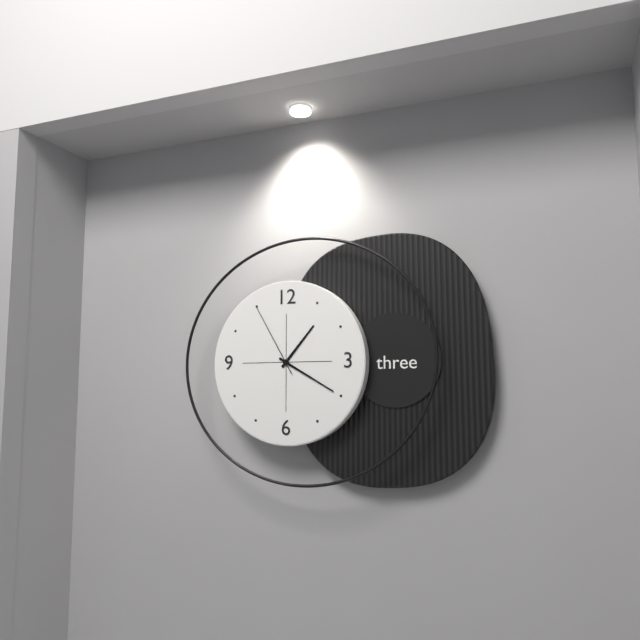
h=1 m=20 s=55
